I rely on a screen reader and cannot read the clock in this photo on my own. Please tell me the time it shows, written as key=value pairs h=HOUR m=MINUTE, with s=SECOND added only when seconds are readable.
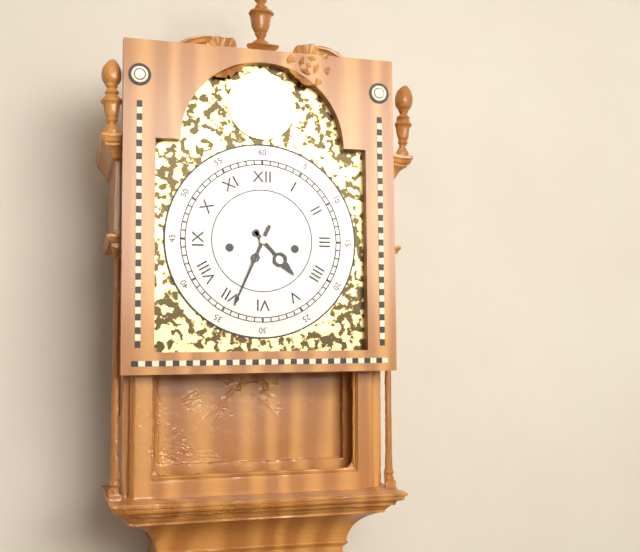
h=4 m=34
